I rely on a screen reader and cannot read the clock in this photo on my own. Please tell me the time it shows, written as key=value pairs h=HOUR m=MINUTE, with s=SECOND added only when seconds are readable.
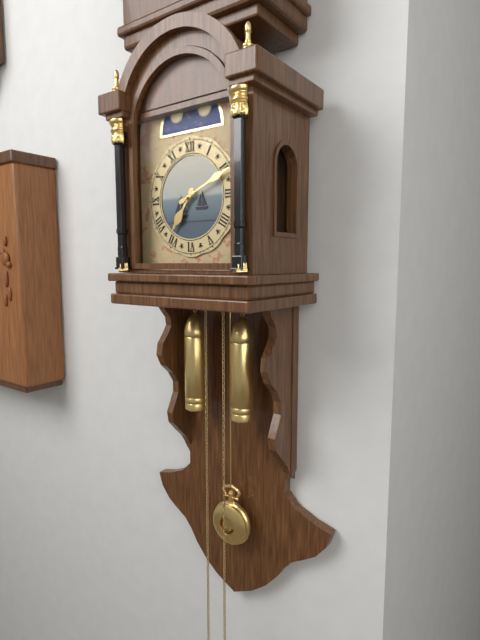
h=7 m=11
